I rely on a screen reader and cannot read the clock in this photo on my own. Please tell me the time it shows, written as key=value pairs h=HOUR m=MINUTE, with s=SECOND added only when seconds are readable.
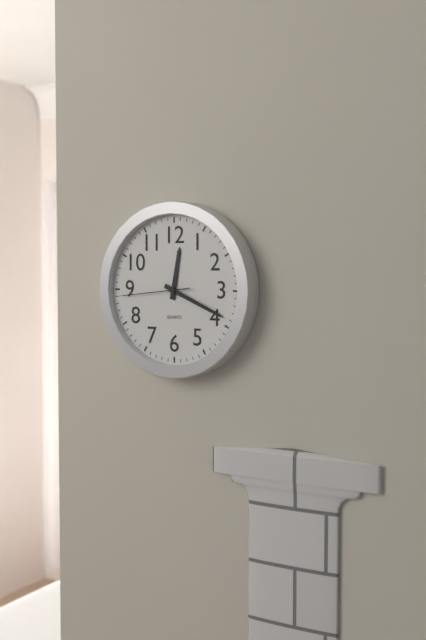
h=12 m=19 s=44
